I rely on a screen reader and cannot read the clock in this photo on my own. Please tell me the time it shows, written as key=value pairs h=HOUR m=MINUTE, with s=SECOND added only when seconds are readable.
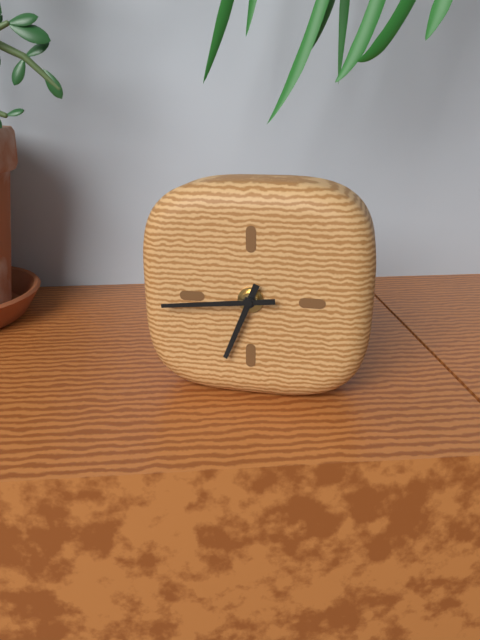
h=6 m=44
